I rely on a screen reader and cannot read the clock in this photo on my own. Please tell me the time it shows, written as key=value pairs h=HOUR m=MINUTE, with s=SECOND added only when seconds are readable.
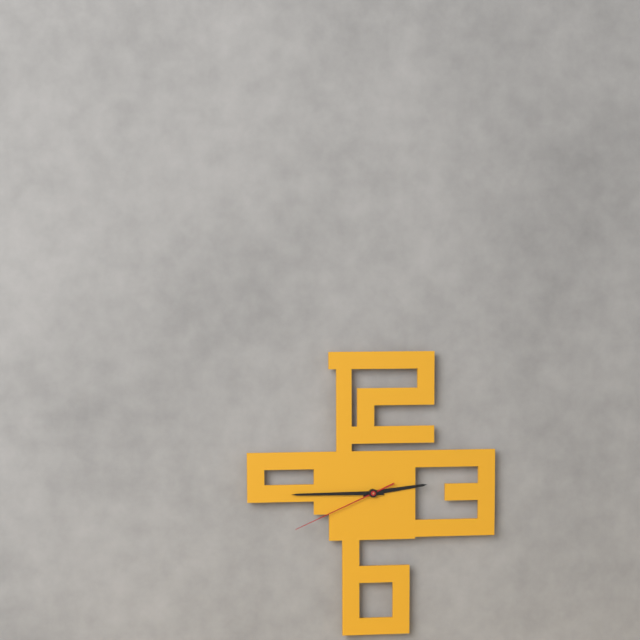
h=2 m=45 s=41
